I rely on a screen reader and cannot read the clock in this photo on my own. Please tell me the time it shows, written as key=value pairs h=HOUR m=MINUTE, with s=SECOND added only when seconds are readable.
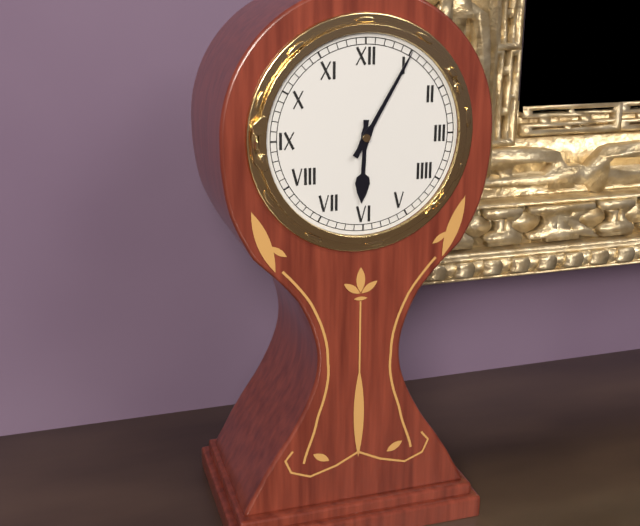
h=6 m=5
